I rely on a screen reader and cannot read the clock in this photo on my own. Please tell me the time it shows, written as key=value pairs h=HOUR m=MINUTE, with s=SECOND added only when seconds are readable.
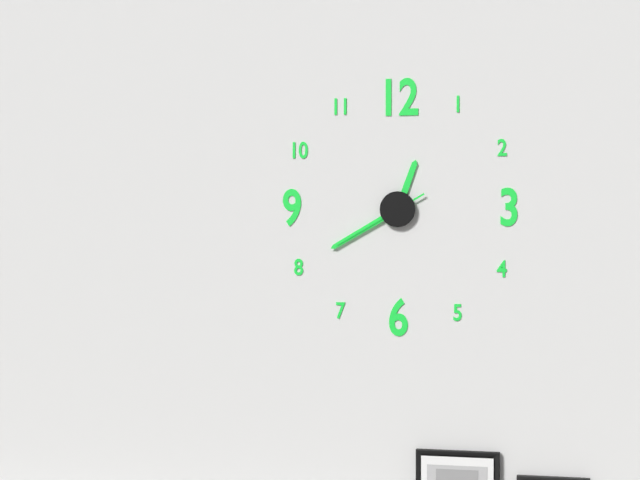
h=12 m=40 s=40
